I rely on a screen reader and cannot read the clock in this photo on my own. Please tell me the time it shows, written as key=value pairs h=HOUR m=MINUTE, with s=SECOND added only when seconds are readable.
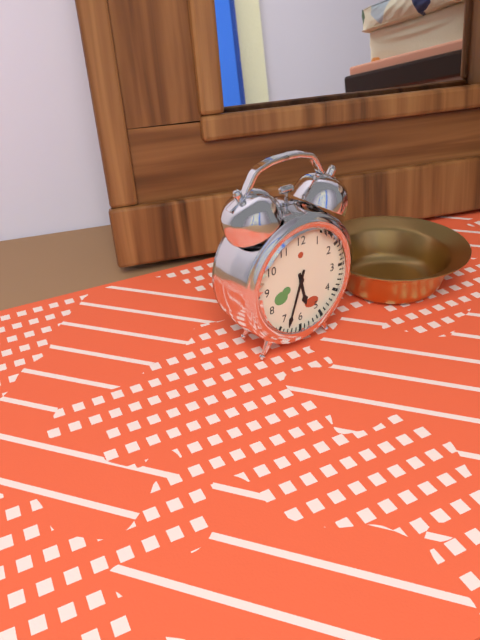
h=5 m=33
